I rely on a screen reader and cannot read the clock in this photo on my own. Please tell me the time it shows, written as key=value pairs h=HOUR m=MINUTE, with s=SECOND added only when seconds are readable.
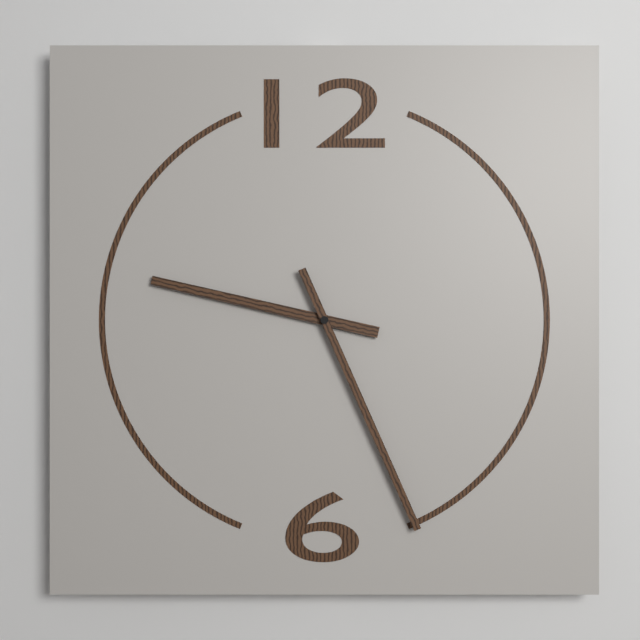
h=9 m=26
